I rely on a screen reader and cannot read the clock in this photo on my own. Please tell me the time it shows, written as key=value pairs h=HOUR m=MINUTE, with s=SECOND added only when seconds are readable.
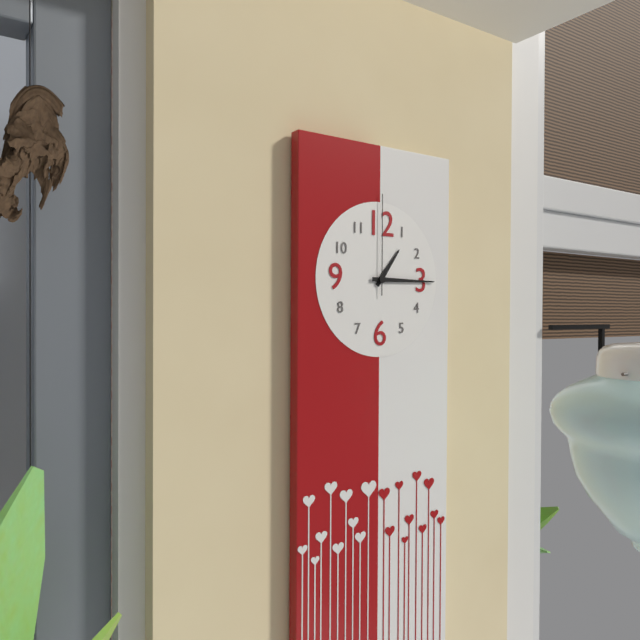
h=1 m=15 s=0
